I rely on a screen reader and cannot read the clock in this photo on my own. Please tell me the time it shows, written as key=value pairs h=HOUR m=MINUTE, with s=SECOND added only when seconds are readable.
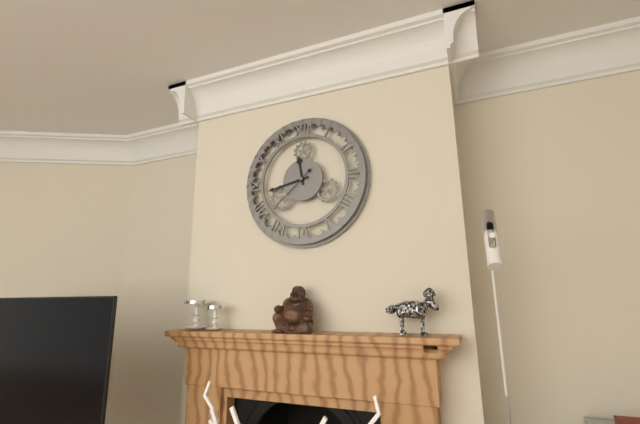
h=11 m=43 s=38
